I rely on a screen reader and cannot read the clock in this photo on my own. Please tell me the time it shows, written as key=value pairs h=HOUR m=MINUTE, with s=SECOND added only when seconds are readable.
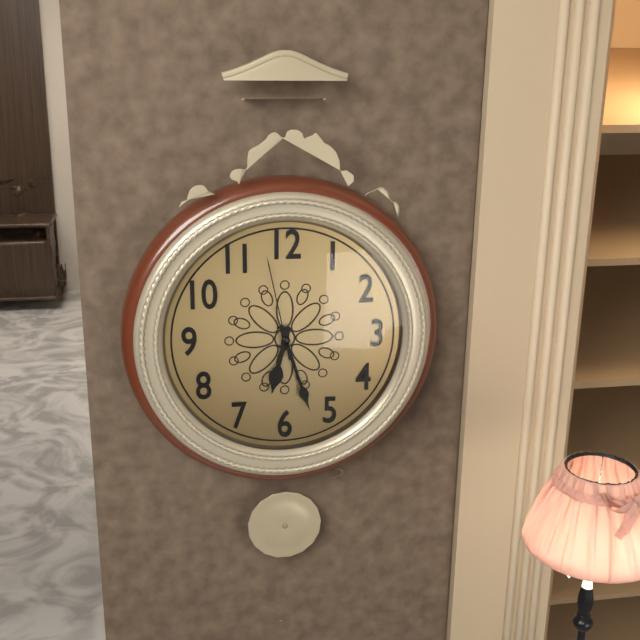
h=6 m=27 s=58
